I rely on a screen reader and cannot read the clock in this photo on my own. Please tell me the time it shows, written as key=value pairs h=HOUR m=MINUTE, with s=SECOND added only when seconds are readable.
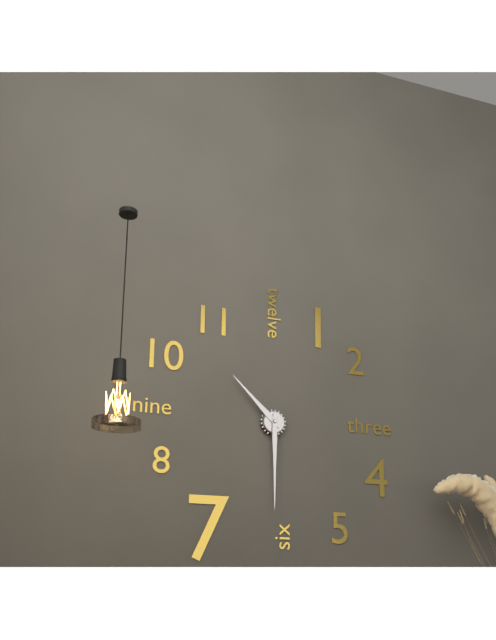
h=10 m=30
